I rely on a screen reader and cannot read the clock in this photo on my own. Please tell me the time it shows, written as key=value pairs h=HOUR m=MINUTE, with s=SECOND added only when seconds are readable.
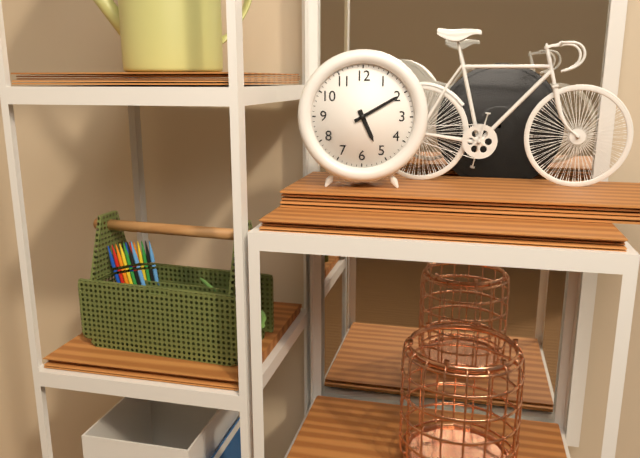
h=5 m=10
